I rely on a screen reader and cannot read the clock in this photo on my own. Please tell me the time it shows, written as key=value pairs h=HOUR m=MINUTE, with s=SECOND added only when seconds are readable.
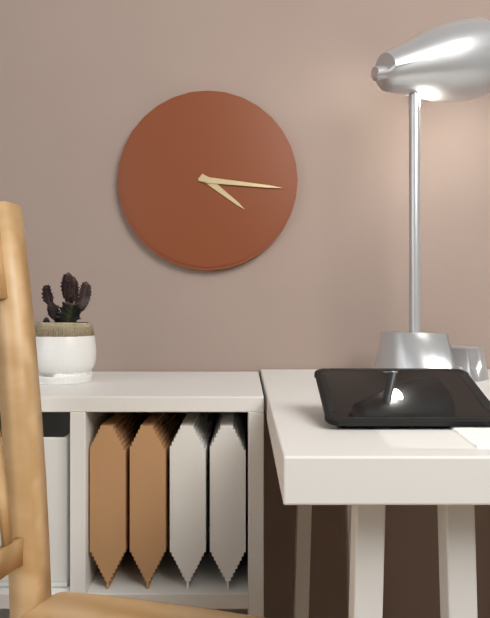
h=4 m=16
